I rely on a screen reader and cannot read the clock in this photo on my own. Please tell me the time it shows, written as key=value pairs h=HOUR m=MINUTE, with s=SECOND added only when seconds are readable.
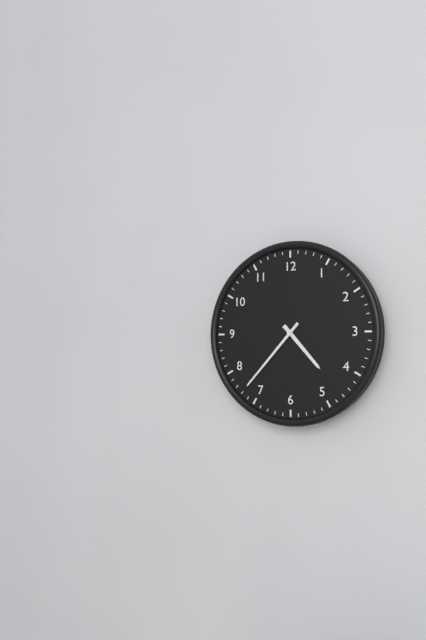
h=4 m=37
